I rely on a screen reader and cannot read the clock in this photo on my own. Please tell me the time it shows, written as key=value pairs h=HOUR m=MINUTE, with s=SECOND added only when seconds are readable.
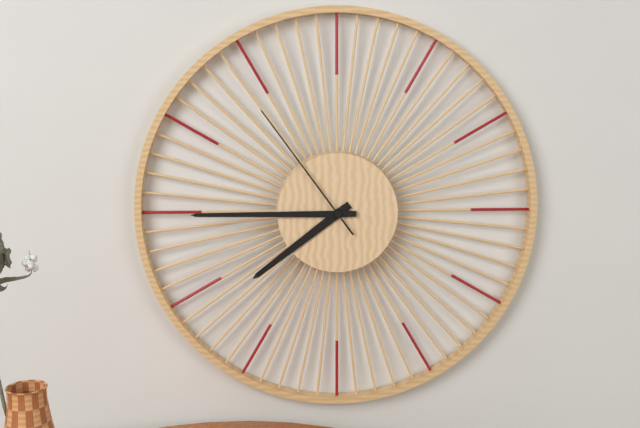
h=7 m=45 s=54
